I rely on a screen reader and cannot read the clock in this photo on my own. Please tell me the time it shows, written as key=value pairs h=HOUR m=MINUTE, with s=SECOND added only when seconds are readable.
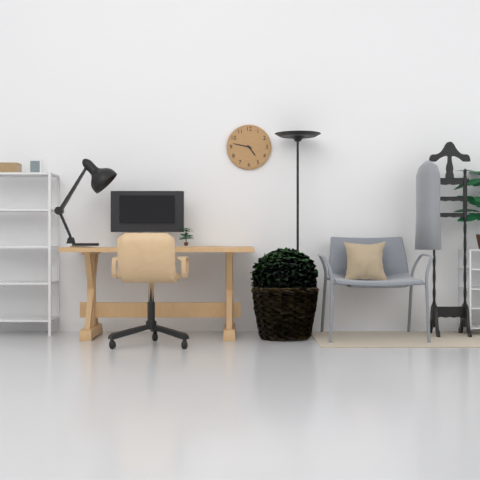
h=4 m=47
